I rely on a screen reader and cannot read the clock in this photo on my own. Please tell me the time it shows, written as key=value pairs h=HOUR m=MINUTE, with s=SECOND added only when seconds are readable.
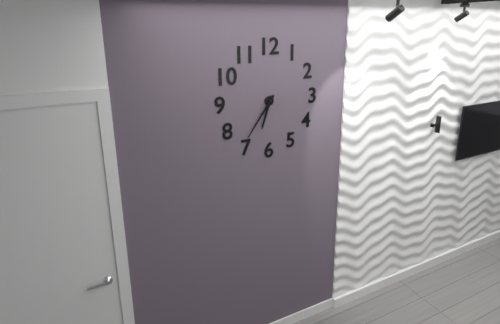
h=6 m=36
